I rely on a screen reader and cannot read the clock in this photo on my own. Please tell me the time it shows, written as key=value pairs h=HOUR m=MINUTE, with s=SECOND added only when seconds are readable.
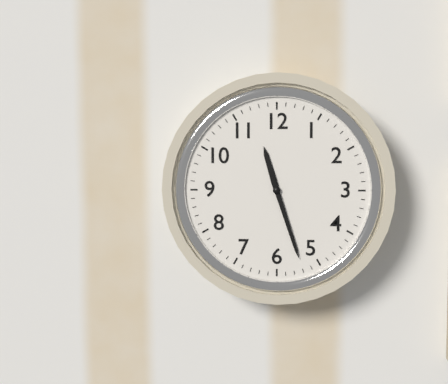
h=11 m=27
